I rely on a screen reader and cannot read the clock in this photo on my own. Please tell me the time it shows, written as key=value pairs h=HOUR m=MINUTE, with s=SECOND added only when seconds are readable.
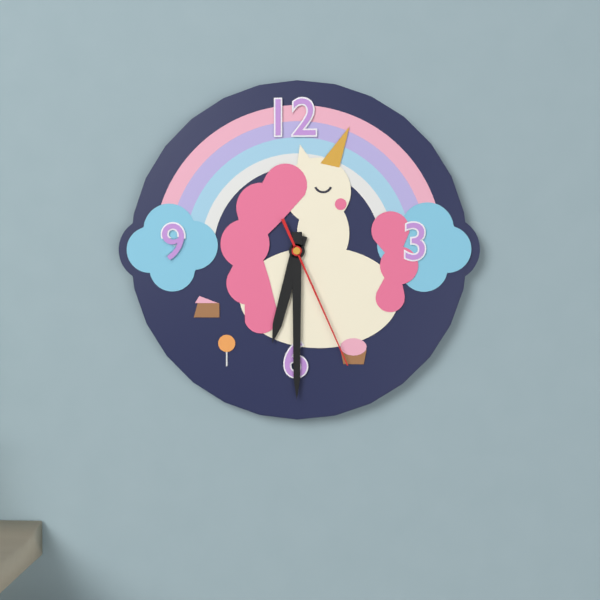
h=6 m=30 s=26
